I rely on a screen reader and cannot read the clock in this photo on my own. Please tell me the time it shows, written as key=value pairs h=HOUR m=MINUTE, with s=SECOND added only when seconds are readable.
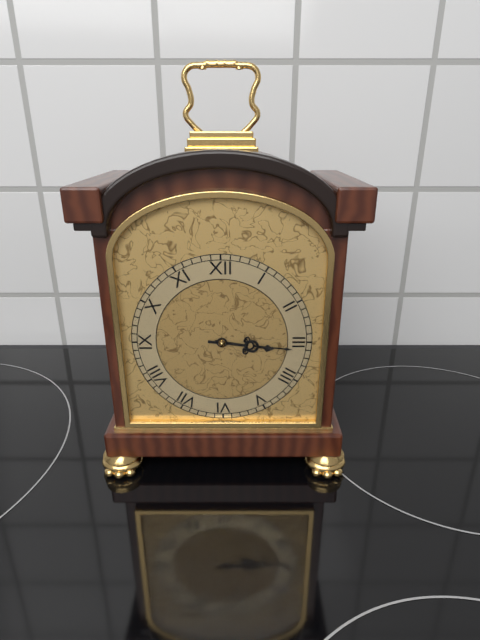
h=3 m=16
